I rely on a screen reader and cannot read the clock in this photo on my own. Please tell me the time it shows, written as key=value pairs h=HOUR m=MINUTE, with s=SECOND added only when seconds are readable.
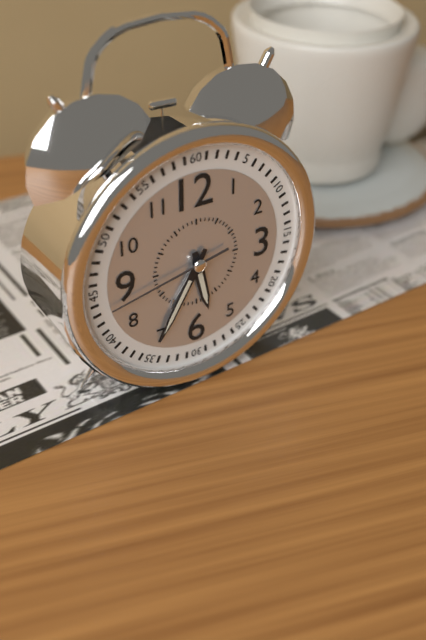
h=5 m=35 s=43
